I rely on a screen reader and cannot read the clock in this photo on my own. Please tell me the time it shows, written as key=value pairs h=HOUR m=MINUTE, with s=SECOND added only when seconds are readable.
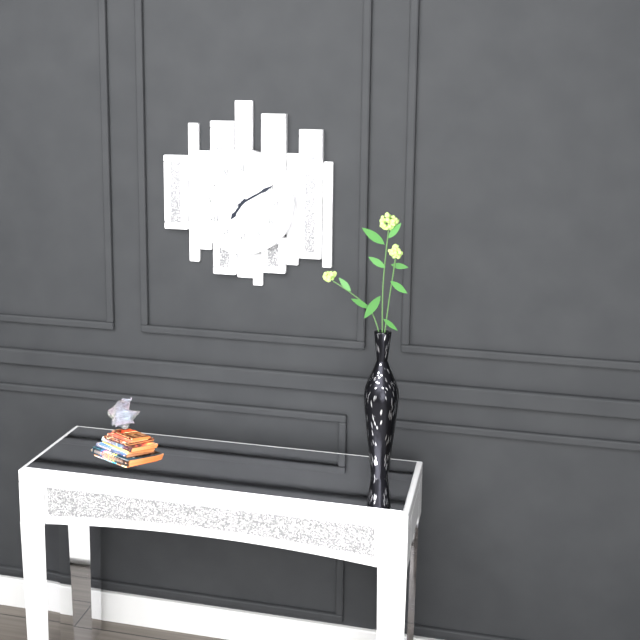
h=7 m=10
